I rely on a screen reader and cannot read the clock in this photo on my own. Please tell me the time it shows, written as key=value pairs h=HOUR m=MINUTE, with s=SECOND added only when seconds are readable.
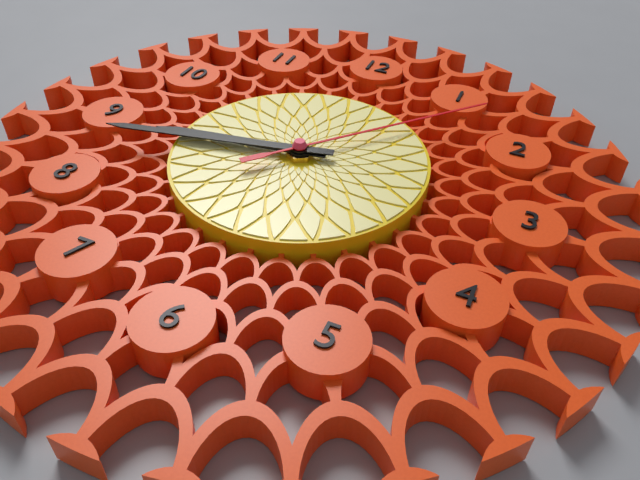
h=8 m=43 s=7
